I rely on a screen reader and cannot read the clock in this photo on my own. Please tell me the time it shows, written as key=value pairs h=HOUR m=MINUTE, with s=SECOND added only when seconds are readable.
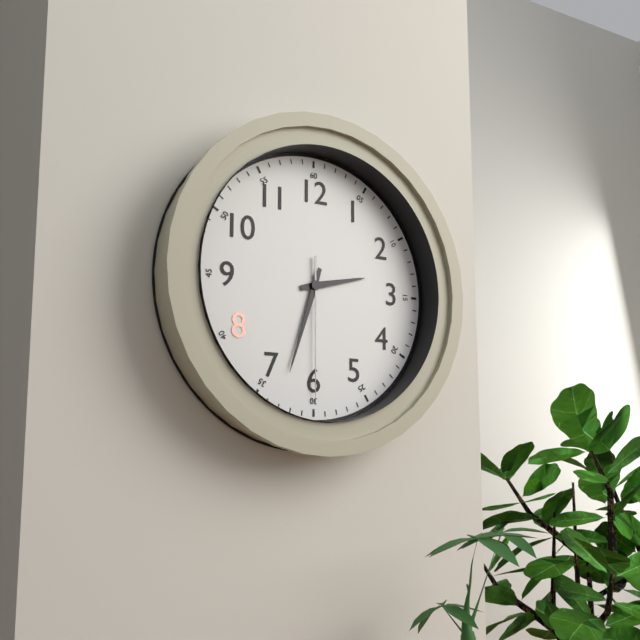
h=2 m=33 s=30
